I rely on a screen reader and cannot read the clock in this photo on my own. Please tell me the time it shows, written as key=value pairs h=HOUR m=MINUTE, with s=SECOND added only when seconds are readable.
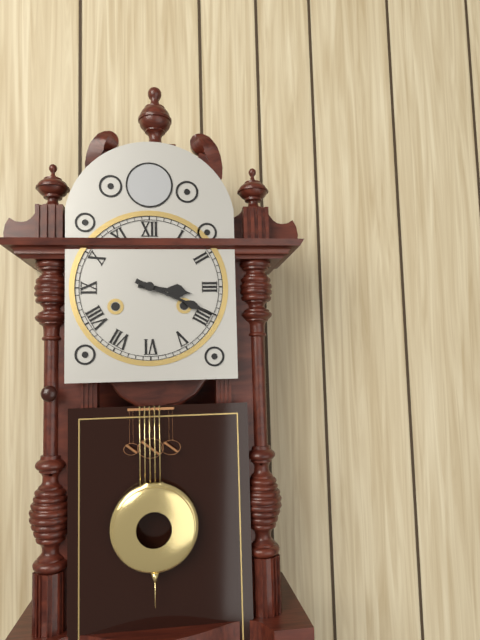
h=3 m=19
